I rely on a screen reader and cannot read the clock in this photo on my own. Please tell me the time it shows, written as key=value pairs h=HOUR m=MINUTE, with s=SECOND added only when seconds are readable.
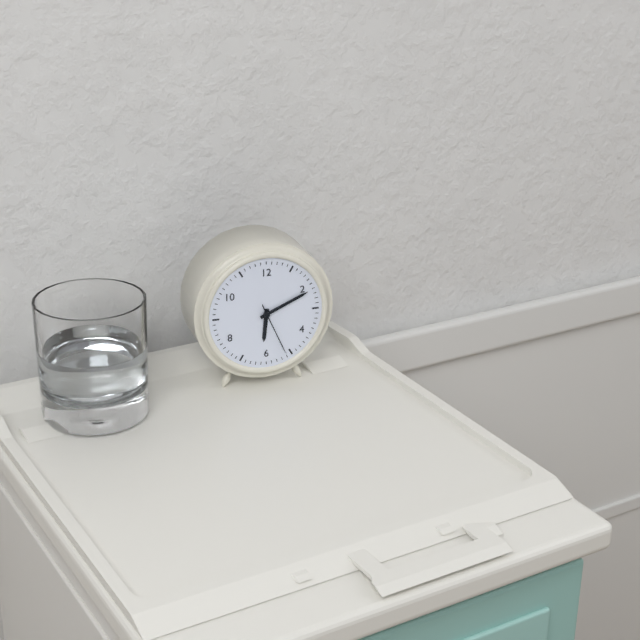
h=6 m=11 s=26
